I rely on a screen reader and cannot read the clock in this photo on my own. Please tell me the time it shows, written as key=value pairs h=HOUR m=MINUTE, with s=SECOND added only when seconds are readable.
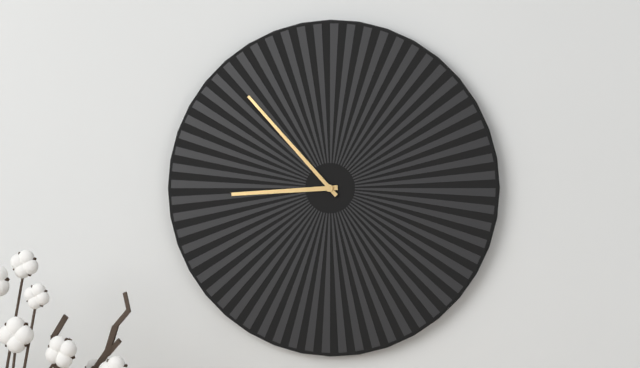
h=8 m=53
